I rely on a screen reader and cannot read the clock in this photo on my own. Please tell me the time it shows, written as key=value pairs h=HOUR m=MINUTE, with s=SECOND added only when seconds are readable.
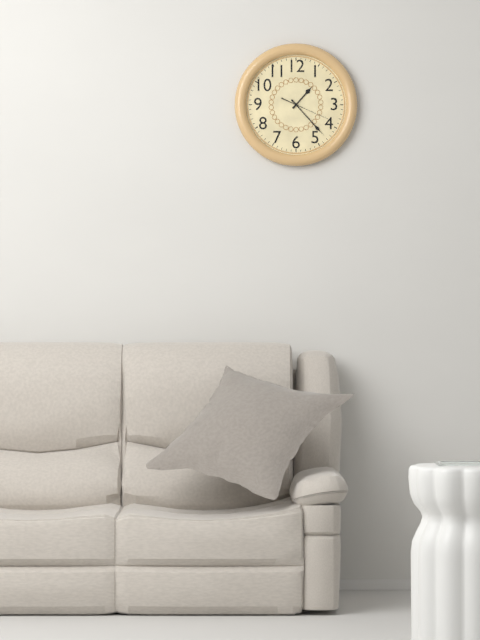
h=1 m=23
